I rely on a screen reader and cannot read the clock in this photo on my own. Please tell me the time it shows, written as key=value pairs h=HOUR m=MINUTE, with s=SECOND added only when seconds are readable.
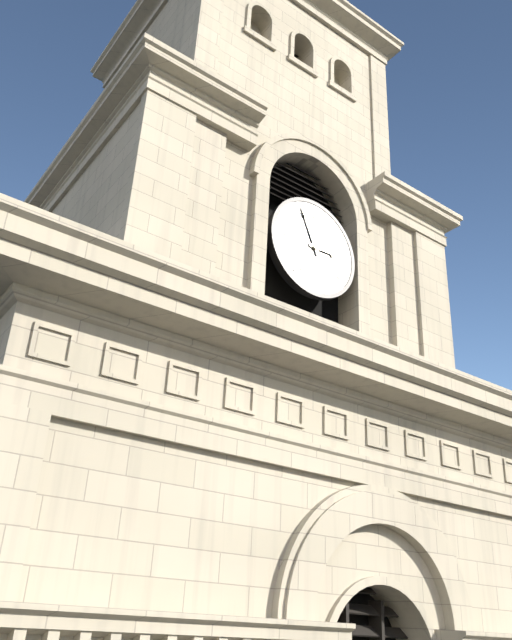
h=2 m=56
